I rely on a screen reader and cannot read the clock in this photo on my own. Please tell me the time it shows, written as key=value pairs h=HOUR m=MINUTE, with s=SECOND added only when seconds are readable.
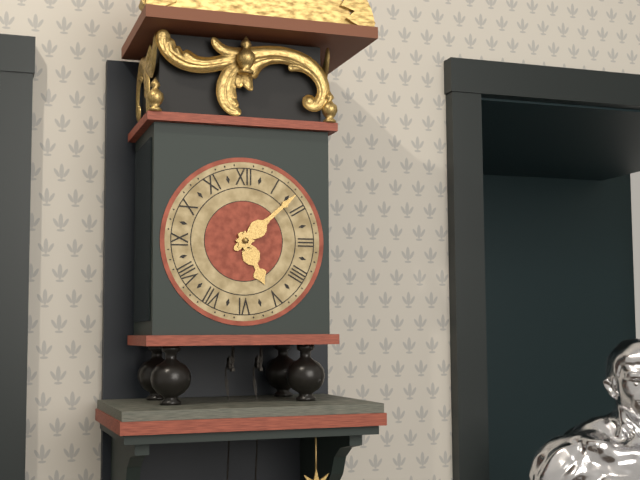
h=5 m=8
